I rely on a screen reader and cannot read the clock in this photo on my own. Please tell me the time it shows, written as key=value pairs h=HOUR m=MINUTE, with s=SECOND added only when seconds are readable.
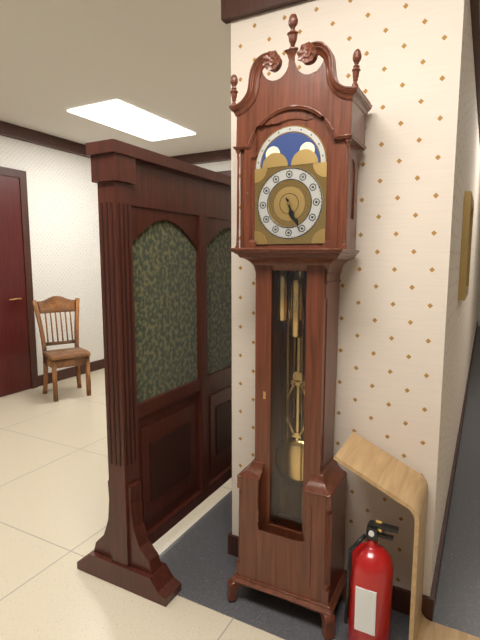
h=5 m=26
